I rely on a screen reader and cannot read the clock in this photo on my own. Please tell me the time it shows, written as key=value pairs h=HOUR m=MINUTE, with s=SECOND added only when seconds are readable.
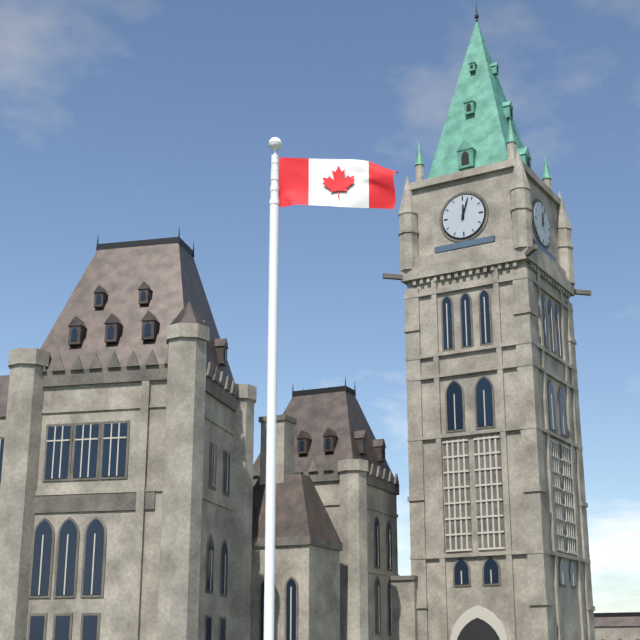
h=12 m=3
